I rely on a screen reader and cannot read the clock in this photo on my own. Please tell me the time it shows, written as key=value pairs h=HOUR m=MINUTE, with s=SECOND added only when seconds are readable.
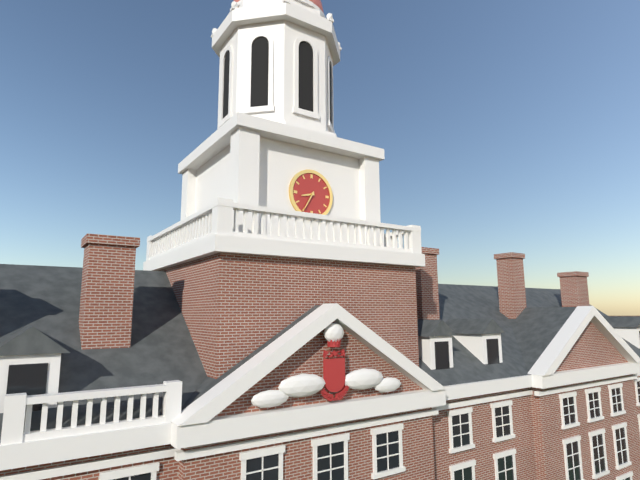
h=8 m=35
